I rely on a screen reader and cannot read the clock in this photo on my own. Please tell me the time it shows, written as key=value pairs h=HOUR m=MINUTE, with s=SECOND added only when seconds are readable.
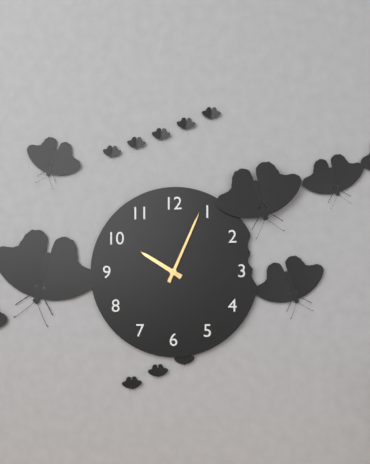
h=10 m=4
